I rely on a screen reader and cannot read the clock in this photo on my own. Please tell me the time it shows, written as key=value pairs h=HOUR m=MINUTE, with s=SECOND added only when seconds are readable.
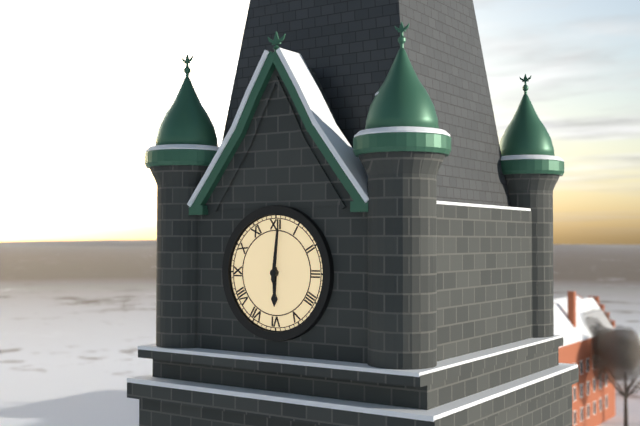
h=6 m=1
